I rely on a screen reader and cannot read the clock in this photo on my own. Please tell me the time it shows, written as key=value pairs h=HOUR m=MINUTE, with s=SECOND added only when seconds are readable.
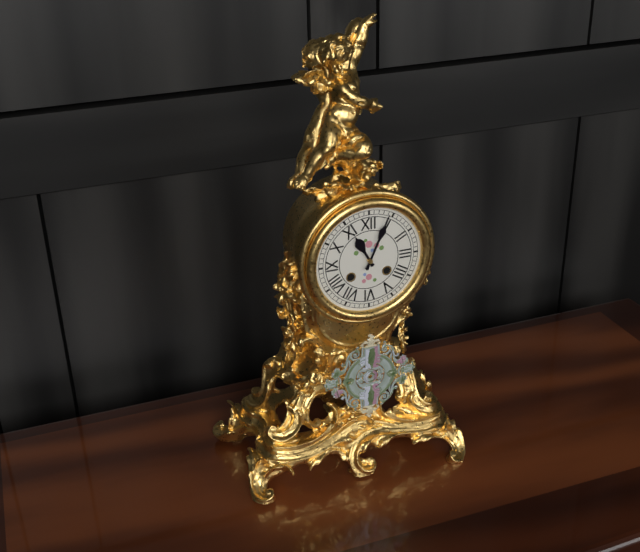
h=11 m=4
